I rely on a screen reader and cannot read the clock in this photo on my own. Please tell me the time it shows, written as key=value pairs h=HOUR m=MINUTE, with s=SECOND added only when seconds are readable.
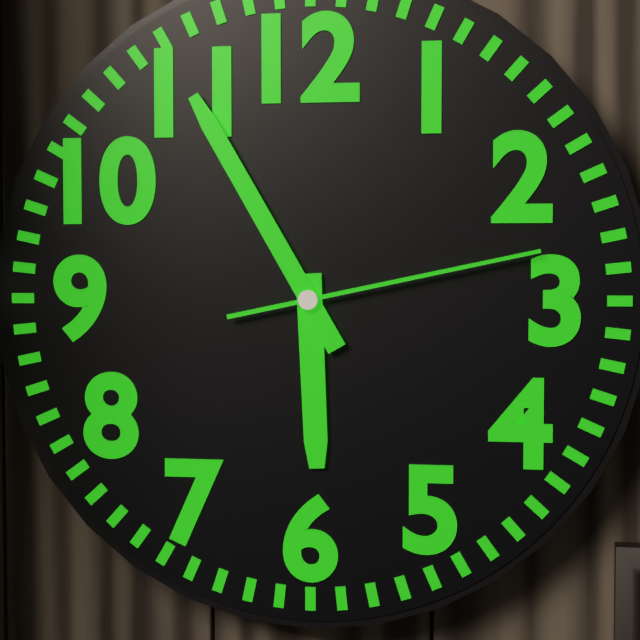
h=5 m=55 s=13
